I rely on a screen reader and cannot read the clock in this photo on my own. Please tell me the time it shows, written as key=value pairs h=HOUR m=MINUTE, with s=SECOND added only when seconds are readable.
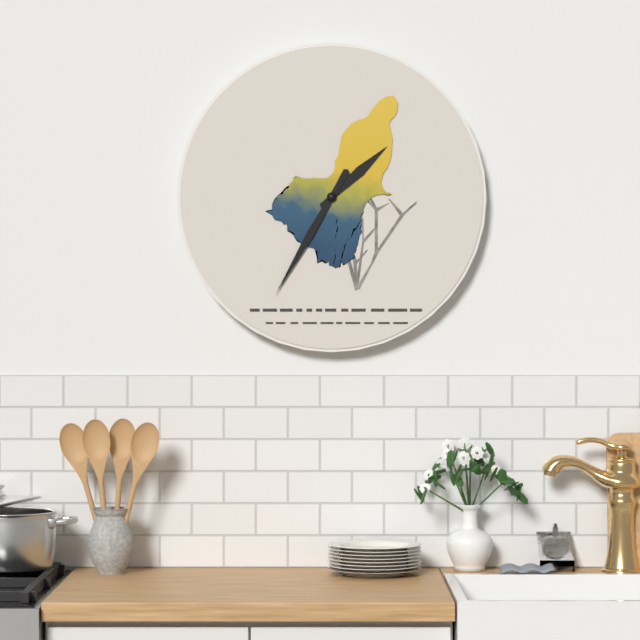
h=1 m=35
